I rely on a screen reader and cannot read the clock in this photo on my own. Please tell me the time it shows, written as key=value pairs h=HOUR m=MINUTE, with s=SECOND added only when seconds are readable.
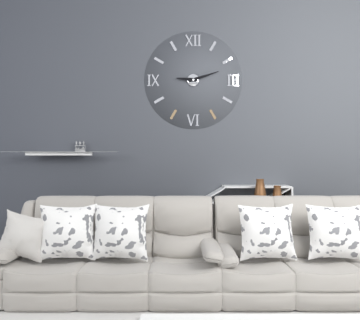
h=9 m=12
